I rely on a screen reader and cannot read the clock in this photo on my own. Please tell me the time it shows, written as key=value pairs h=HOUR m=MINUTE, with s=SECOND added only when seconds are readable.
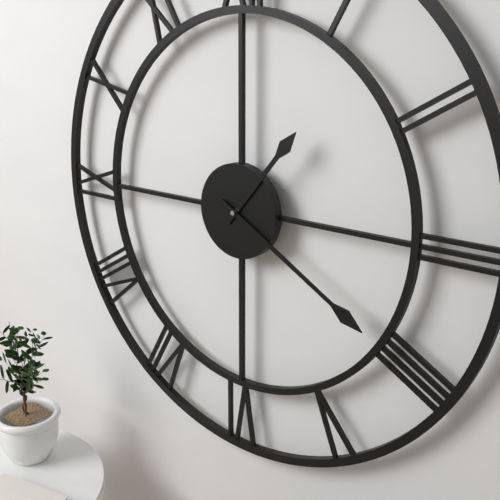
h=1 m=20
